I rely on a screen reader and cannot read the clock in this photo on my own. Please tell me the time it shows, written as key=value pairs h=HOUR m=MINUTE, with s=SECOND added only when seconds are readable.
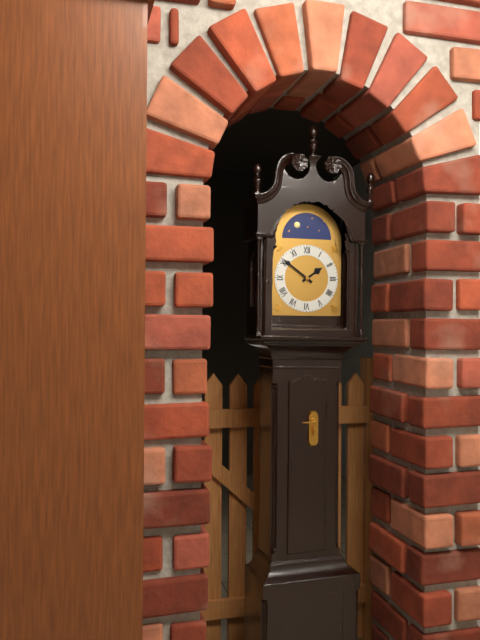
h=1 m=51
